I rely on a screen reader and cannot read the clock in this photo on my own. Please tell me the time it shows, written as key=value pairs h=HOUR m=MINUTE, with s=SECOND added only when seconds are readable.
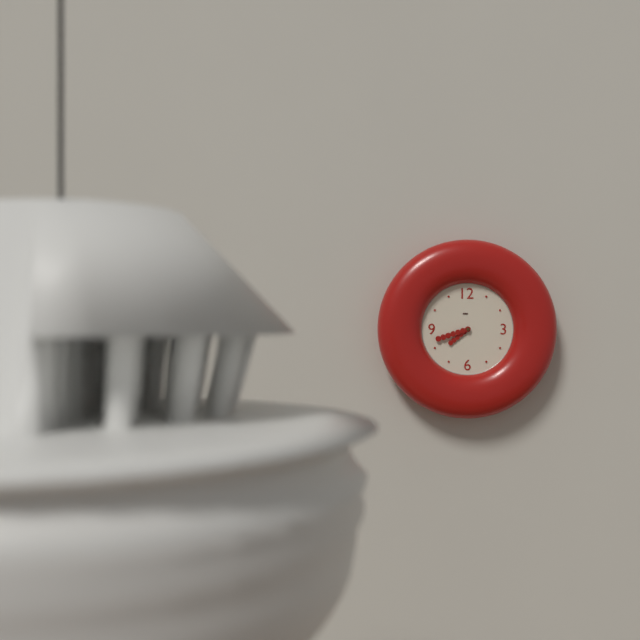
h=7 m=42
